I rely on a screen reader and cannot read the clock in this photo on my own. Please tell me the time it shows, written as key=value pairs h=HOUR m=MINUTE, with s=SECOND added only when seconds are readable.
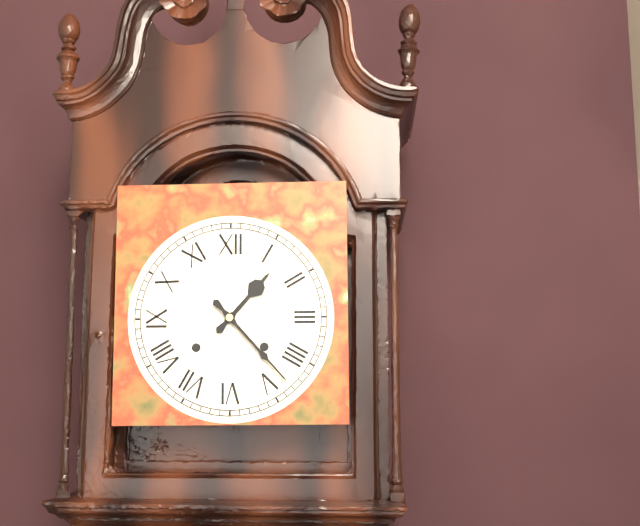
h=1 m=23
